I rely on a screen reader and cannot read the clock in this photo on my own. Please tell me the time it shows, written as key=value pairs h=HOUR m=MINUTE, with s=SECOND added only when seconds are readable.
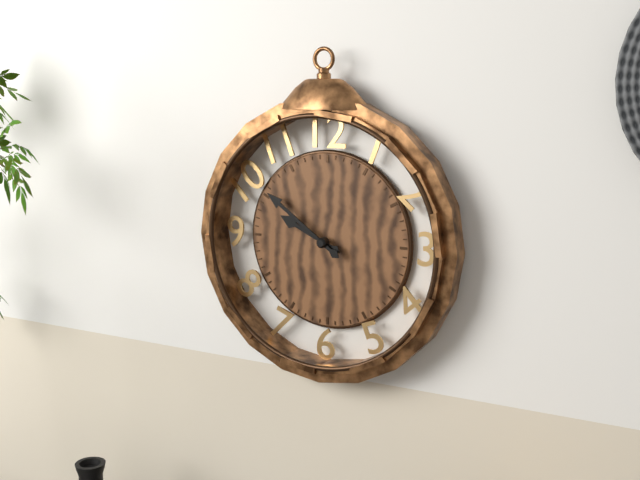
h=9 m=51
